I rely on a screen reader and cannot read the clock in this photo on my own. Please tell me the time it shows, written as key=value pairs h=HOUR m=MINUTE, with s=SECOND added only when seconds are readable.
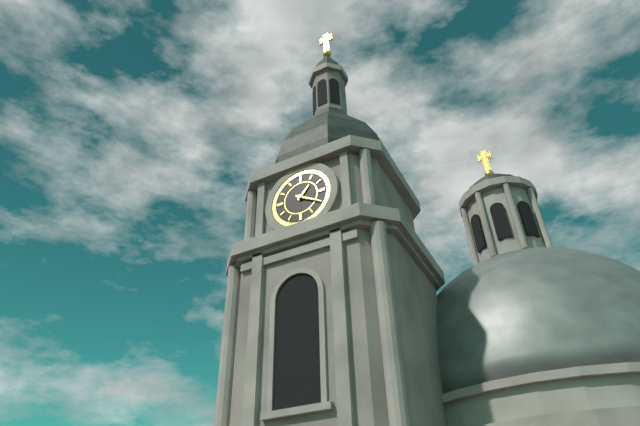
h=1 m=20
